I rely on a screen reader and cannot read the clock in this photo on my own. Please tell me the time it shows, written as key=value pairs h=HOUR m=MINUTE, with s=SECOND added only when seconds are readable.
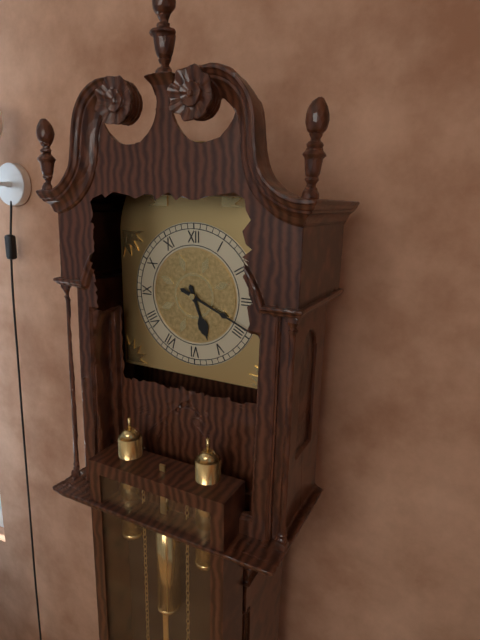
h=5 m=19
